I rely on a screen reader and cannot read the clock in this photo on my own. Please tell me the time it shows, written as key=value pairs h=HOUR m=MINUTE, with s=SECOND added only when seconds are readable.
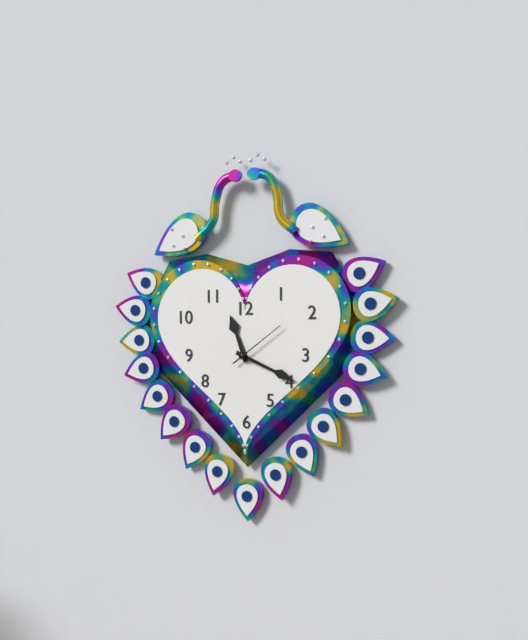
h=11 m=19 s=9
